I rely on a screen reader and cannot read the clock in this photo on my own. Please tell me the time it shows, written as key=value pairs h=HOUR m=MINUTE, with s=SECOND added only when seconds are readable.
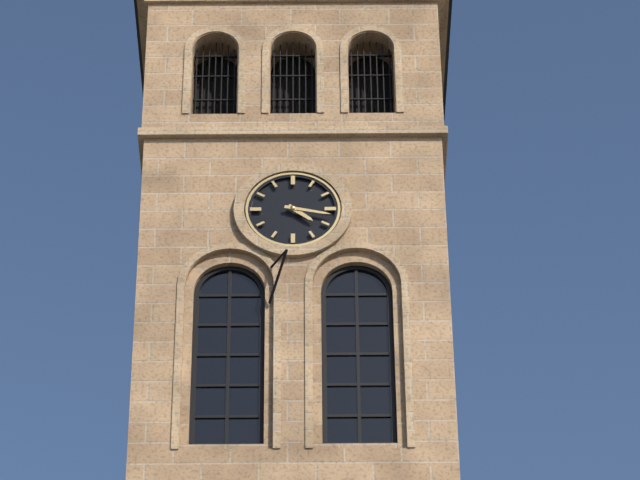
h=4 m=17
